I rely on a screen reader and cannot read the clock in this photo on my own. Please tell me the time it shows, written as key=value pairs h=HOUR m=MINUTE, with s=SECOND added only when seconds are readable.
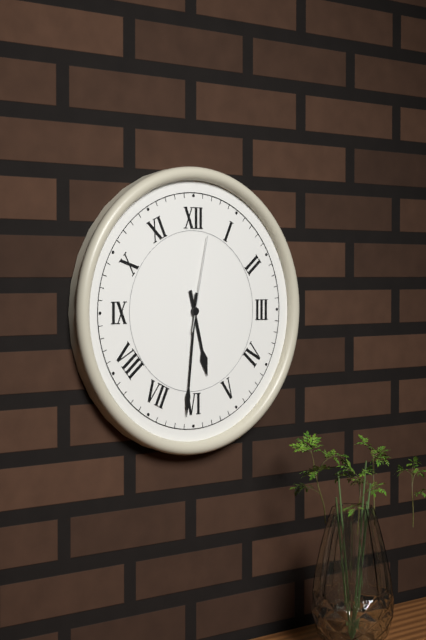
h=5 m=31 s=2
